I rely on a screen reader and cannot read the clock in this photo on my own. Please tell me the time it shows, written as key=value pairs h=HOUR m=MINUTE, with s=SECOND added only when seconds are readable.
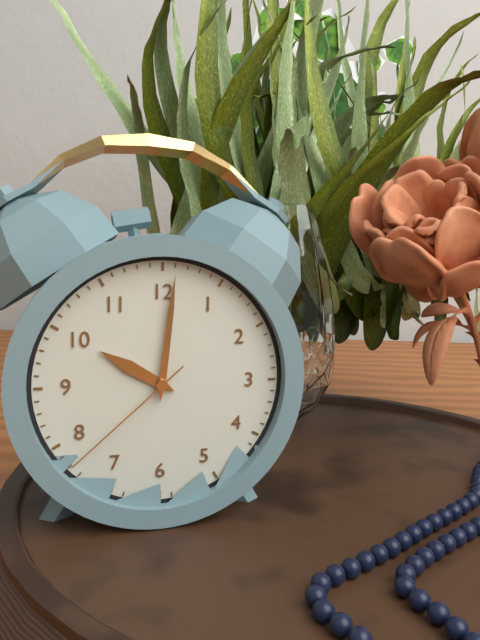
h=10 m=1 s=38
